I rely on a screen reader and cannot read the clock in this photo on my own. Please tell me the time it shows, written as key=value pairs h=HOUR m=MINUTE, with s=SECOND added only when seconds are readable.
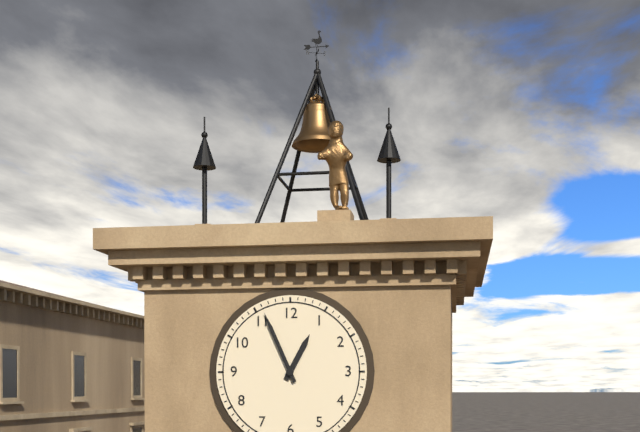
h=12 m=56
